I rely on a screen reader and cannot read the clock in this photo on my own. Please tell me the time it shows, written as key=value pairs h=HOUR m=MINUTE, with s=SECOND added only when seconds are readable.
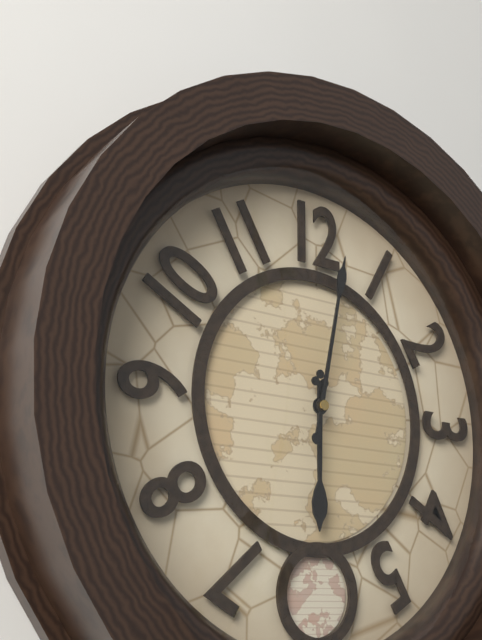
h=6 m=2
